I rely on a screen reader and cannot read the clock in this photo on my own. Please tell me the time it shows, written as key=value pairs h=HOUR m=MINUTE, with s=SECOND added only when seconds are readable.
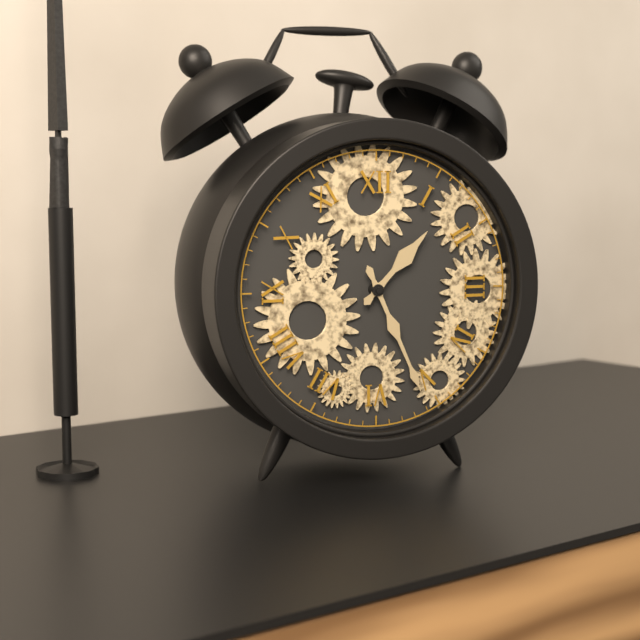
h=1 m=26
